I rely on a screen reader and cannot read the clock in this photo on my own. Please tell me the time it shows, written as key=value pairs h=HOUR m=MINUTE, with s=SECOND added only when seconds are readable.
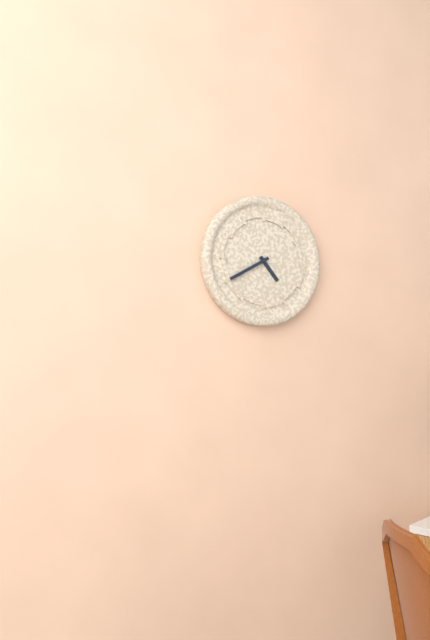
h=4 m=40
